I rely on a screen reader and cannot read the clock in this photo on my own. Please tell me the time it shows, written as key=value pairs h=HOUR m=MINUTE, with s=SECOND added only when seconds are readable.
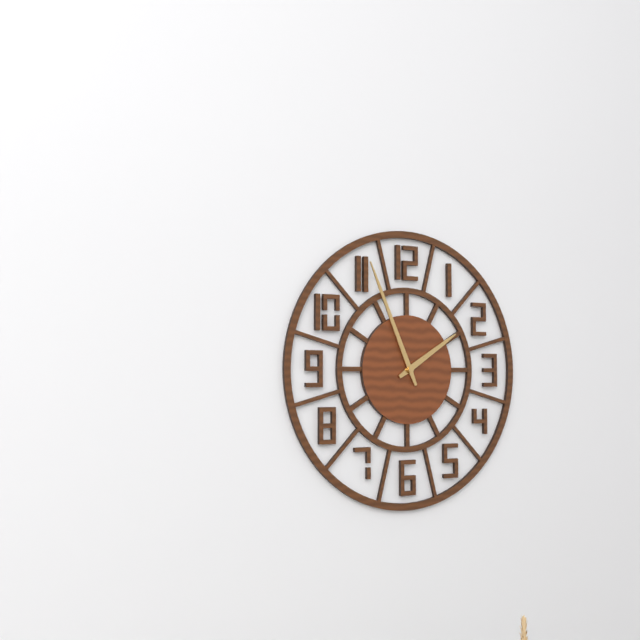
h=1 m=56
